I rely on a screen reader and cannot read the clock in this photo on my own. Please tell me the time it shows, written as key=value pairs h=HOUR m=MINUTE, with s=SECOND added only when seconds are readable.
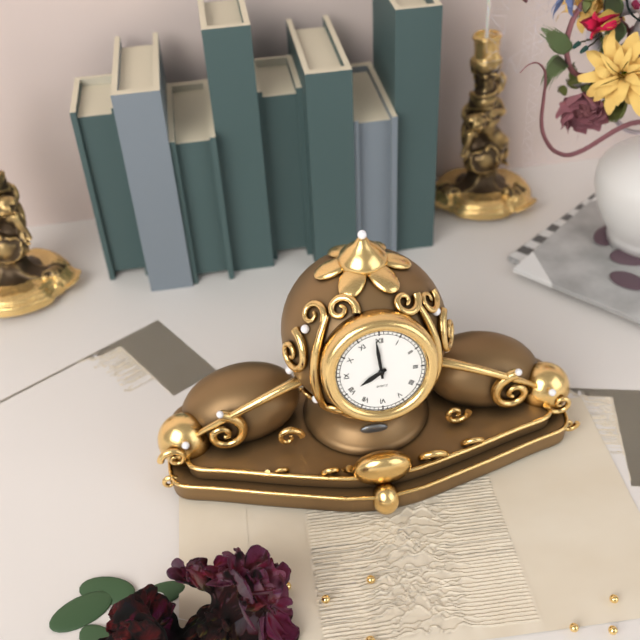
h=7 m=59
